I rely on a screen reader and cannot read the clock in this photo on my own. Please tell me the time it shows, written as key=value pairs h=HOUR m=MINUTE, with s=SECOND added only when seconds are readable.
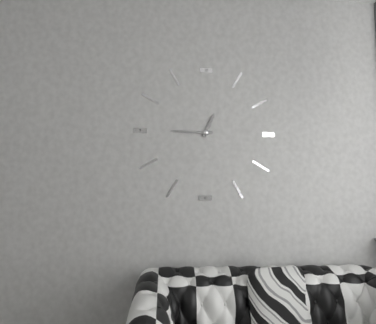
h=12 m=45
